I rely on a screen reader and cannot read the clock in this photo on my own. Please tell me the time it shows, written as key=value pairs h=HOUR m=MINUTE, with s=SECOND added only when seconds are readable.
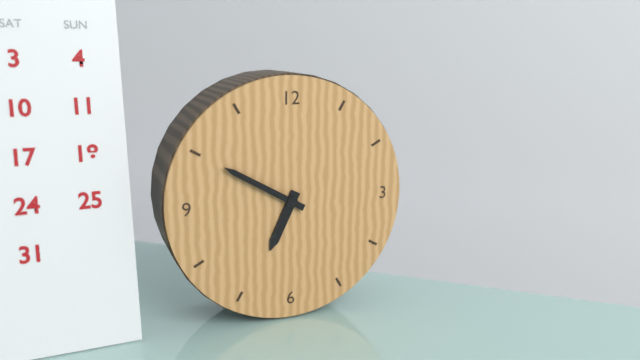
h=6 m=50
